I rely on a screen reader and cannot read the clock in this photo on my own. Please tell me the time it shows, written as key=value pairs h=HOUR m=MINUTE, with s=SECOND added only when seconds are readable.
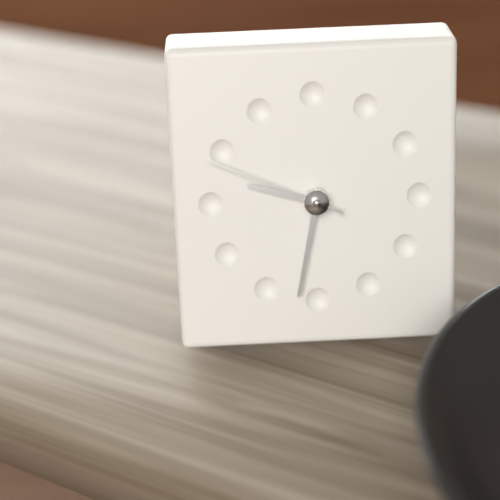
h=9 m=32 s=49
